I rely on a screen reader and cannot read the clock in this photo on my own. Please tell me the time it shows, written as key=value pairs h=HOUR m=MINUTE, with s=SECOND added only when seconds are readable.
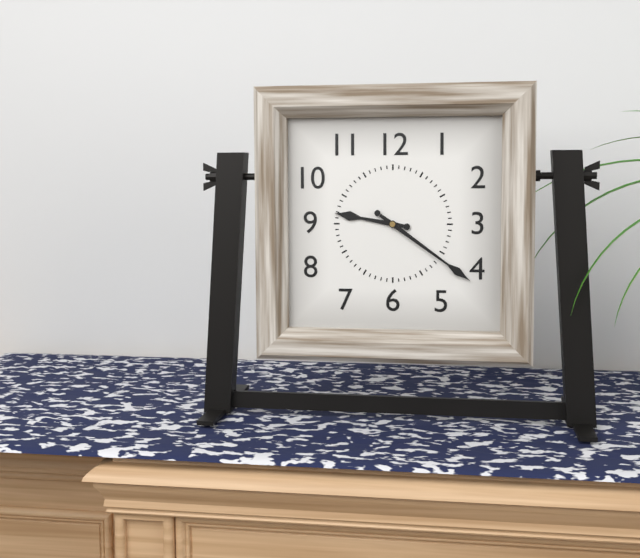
h=9 m=21
